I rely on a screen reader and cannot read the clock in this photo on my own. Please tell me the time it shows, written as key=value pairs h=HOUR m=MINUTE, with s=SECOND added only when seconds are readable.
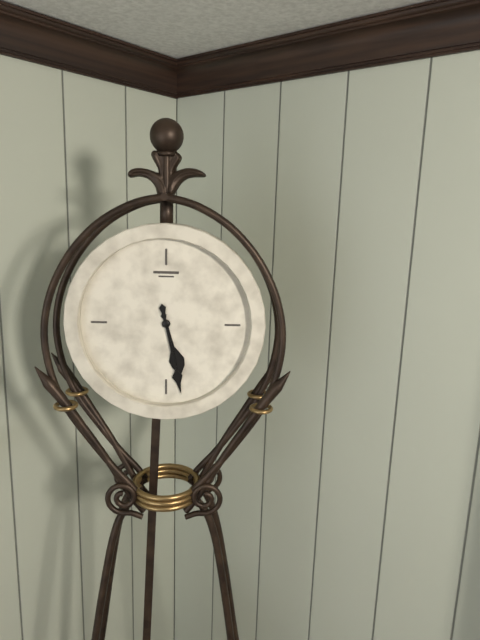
h=5 m=28
